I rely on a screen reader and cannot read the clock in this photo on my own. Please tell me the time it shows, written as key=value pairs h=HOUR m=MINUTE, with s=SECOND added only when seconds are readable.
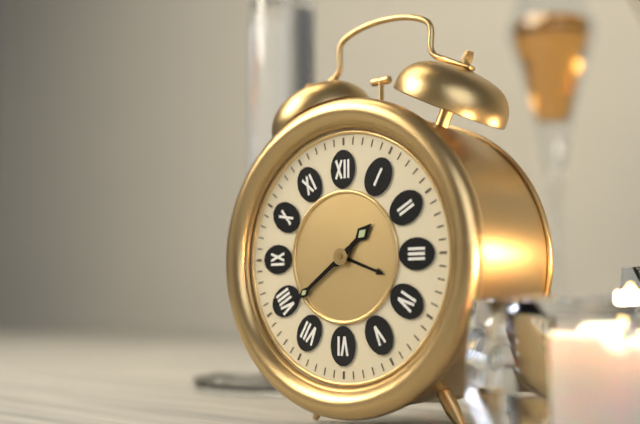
h=1 m=39
